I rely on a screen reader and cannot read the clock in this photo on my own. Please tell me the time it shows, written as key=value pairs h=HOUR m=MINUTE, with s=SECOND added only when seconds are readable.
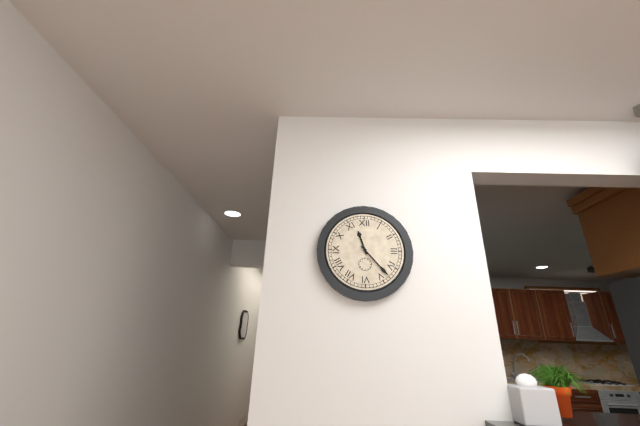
h=11 m=23
